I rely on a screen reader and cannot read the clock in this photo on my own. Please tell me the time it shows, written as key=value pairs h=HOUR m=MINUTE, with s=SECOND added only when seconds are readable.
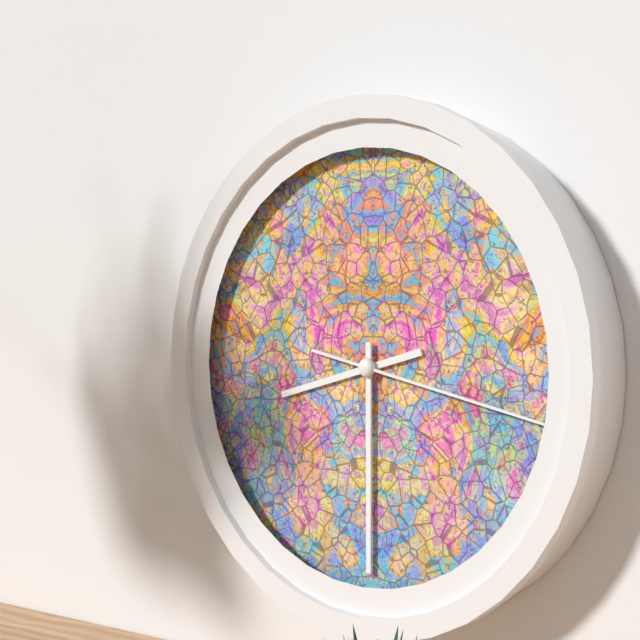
h=8 m=30 s=17
